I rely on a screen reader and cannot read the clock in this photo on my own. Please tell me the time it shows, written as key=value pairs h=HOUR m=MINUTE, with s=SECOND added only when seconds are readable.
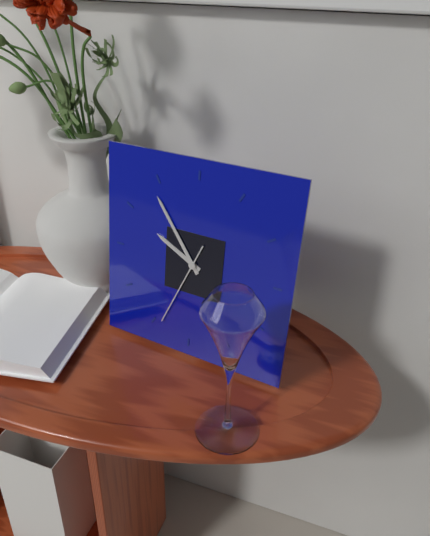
h=9 m=54 s=34
